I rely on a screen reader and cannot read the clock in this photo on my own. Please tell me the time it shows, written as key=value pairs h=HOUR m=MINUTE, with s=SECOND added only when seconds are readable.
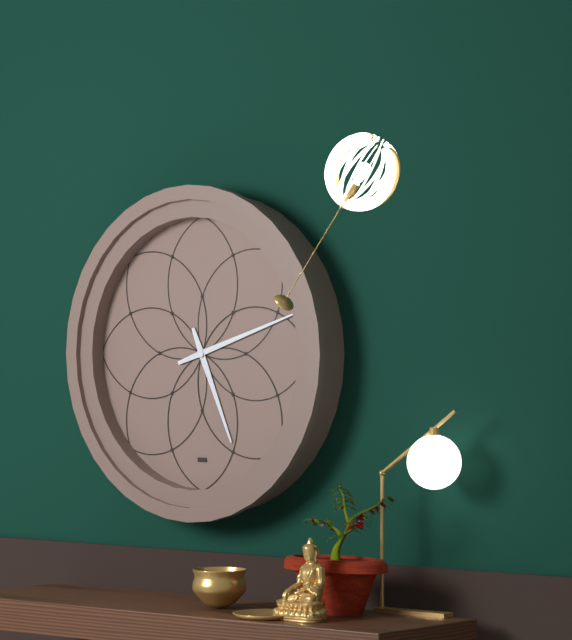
h=5 m=12
